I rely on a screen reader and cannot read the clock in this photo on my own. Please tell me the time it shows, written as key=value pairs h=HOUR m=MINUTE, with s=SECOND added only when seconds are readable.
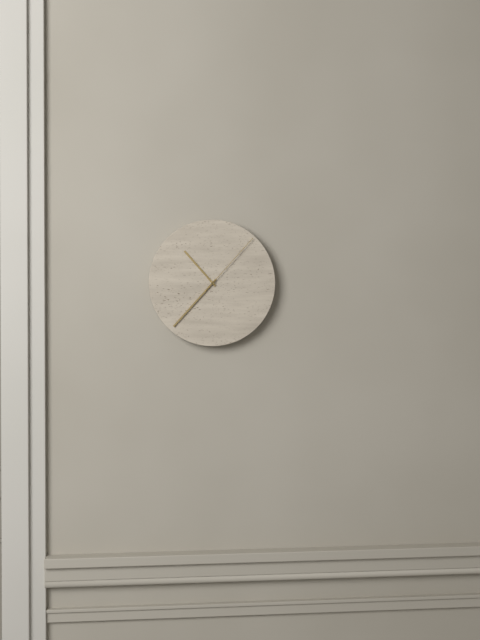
h=10 m=37 s=7
